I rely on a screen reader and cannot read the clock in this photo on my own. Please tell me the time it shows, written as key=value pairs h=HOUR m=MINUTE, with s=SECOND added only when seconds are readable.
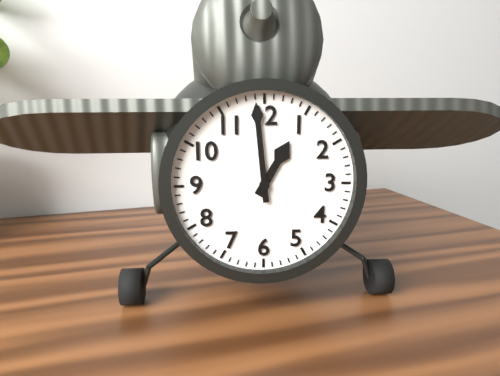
h=12 m=59
